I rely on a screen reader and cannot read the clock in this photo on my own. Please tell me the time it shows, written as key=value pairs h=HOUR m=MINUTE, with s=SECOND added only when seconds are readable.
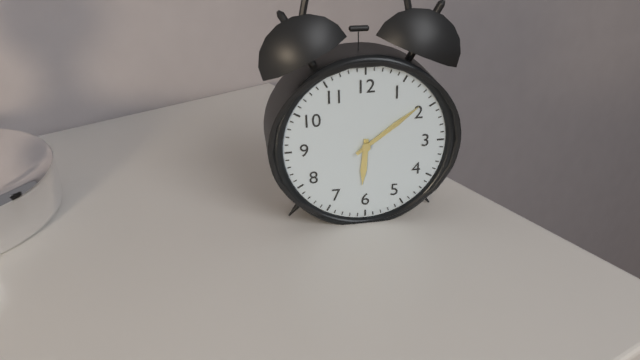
h=6 m=9
